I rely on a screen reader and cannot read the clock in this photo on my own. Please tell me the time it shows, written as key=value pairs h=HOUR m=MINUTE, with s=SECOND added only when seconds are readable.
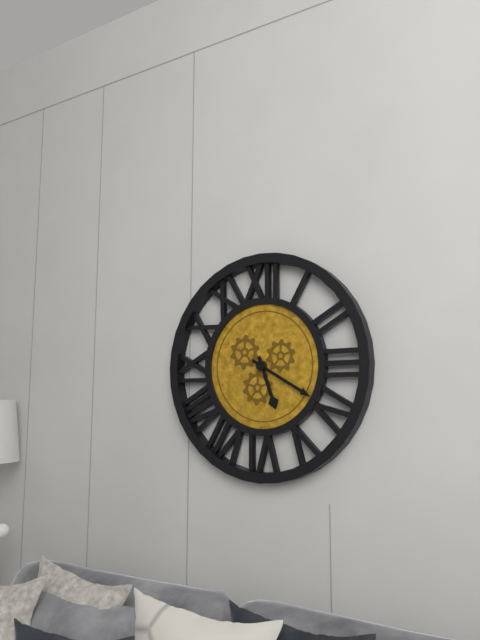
h=5 m=20
